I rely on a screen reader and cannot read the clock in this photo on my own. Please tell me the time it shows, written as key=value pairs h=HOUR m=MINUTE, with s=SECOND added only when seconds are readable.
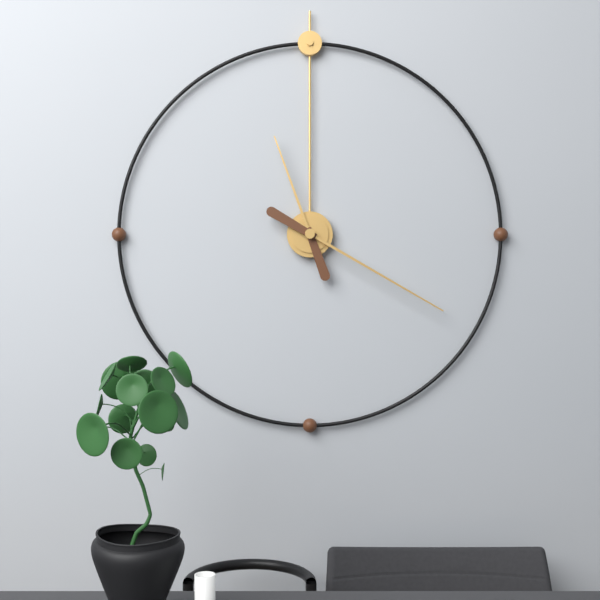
h=11 m=20
